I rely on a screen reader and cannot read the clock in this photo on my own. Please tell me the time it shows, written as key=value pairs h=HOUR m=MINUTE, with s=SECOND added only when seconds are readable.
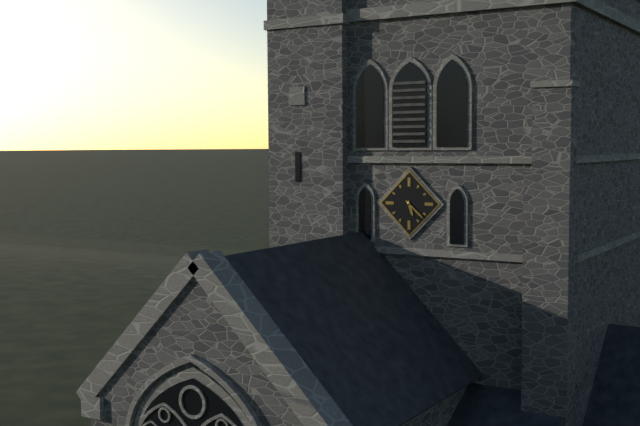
h=5 m=22
